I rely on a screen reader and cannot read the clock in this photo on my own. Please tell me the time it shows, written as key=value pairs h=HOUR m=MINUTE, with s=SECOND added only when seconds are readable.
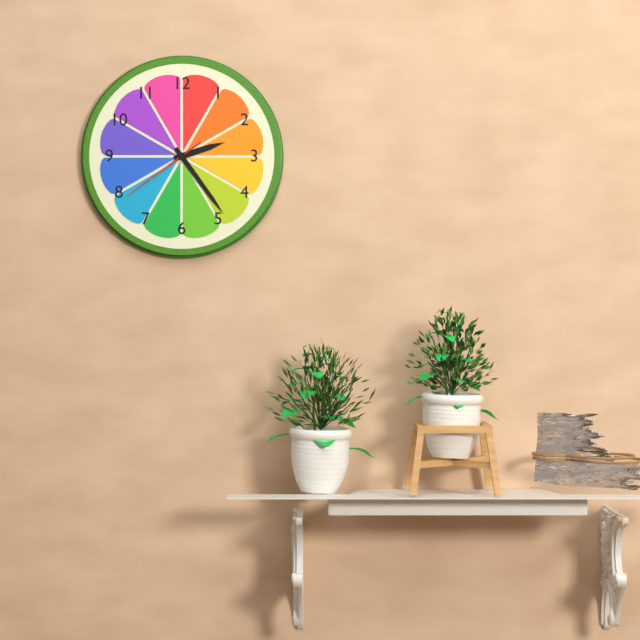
h=2 m=24 s=39
